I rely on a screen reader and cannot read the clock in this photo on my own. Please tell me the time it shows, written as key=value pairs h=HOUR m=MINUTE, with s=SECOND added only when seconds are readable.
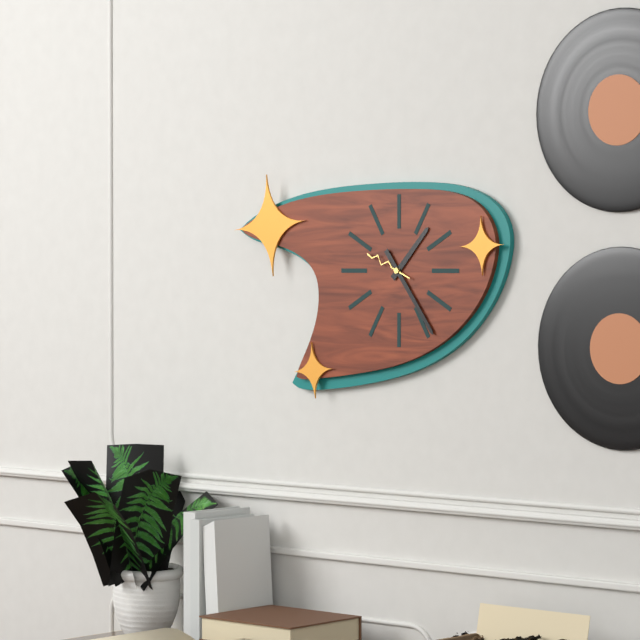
h=1 m=24 s=49
